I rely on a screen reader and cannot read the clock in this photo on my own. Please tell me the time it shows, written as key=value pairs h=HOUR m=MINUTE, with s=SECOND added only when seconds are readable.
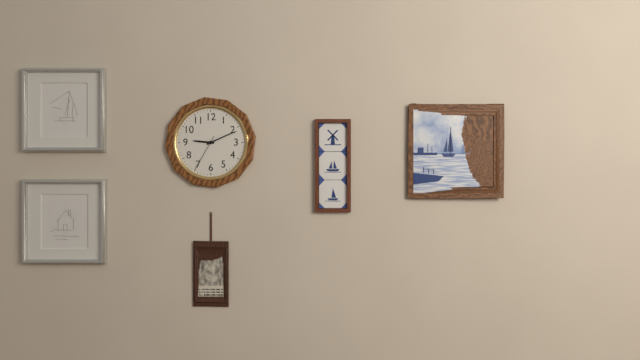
h=9 m=11
